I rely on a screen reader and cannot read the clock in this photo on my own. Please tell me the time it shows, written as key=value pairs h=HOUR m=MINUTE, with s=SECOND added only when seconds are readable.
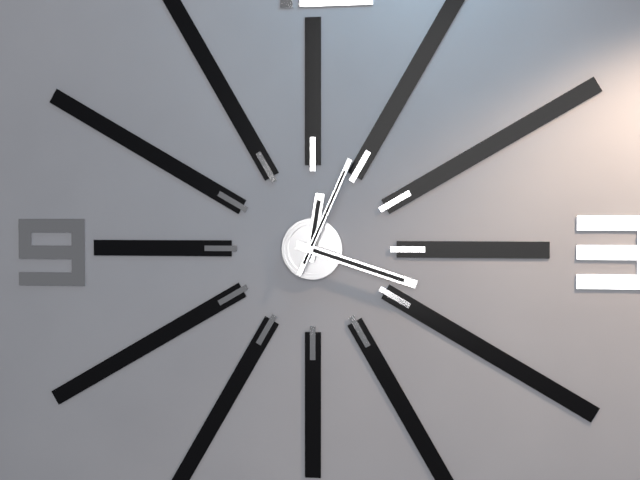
h=12 m=18 s=4
